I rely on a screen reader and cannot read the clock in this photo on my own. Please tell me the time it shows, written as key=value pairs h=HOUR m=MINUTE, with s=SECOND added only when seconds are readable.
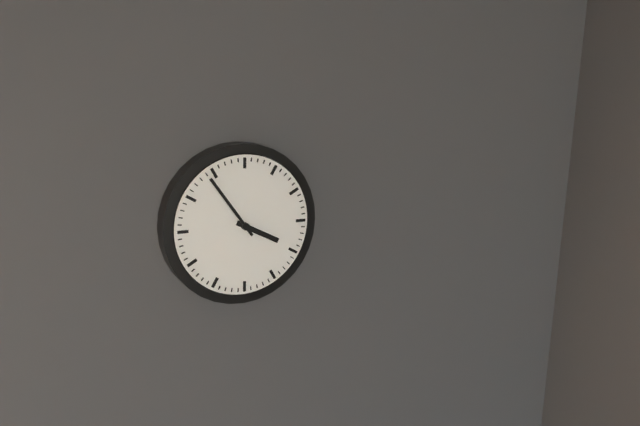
h=3 m=54
